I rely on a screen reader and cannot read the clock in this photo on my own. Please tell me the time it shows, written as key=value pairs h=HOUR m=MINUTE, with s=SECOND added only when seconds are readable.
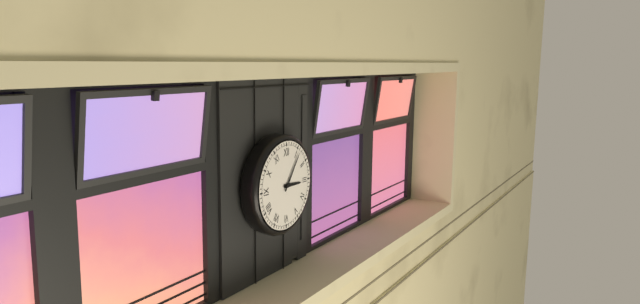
h=3 m=6
